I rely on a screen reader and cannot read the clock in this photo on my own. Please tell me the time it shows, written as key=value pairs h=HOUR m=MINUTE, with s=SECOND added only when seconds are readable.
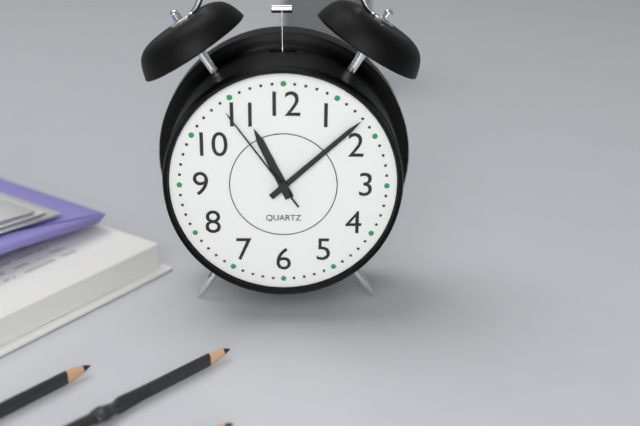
h=11 m=8 s=54
